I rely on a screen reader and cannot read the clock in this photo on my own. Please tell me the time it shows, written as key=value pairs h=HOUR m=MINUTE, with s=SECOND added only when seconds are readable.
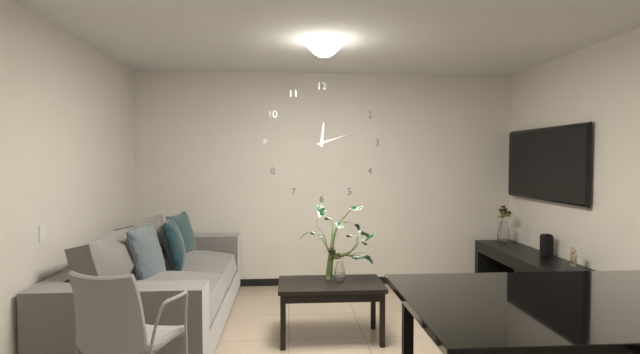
h=12 m=12
